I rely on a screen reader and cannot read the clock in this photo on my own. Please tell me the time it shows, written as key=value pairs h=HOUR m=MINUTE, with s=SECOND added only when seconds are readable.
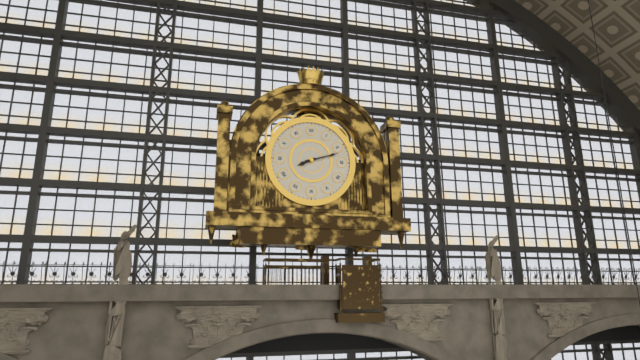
h=8 m=12
